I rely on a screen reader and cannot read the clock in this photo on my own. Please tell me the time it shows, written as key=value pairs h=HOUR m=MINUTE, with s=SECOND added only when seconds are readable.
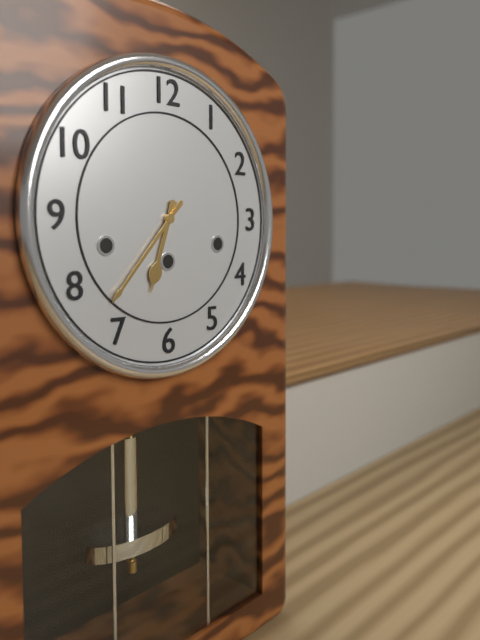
h=6 m=37
